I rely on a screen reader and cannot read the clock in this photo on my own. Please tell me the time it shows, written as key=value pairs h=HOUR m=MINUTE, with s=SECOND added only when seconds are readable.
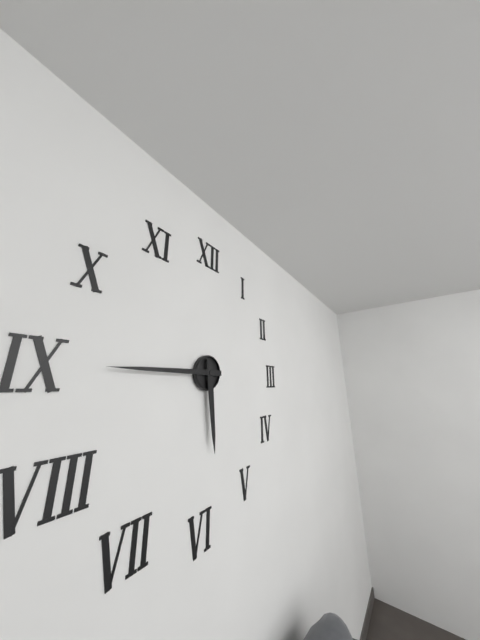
h=5 m=45
